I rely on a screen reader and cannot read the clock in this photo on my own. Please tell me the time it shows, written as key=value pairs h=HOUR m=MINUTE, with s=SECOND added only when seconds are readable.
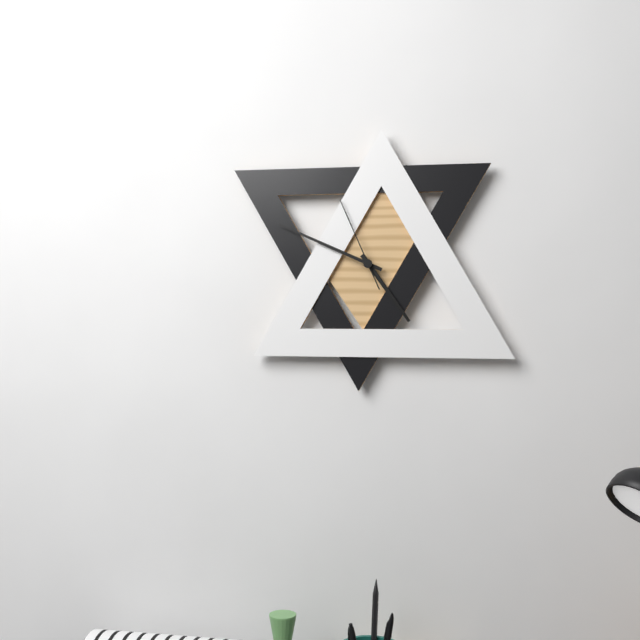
h=4 m=49 s=56
